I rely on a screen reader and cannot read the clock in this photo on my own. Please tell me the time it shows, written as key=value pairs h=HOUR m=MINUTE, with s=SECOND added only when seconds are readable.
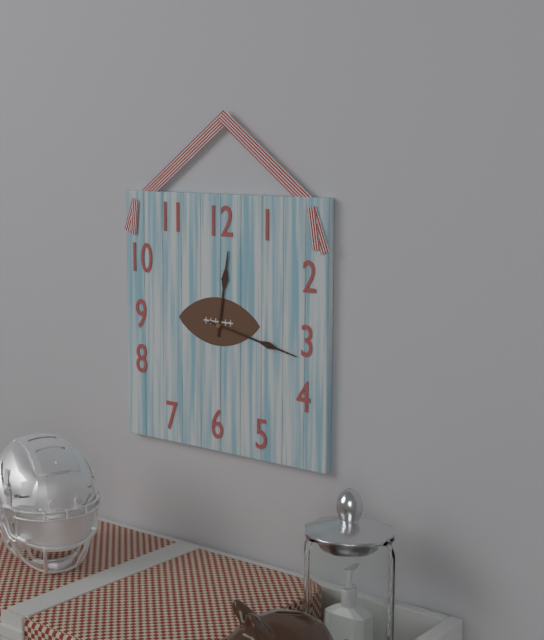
h=12 m=17
